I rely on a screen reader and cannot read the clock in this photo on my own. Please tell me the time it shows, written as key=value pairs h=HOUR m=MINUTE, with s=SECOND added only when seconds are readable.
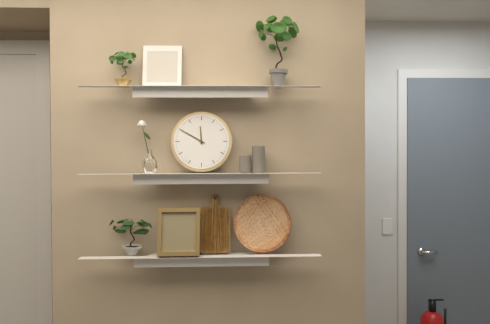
h=11 m=50
